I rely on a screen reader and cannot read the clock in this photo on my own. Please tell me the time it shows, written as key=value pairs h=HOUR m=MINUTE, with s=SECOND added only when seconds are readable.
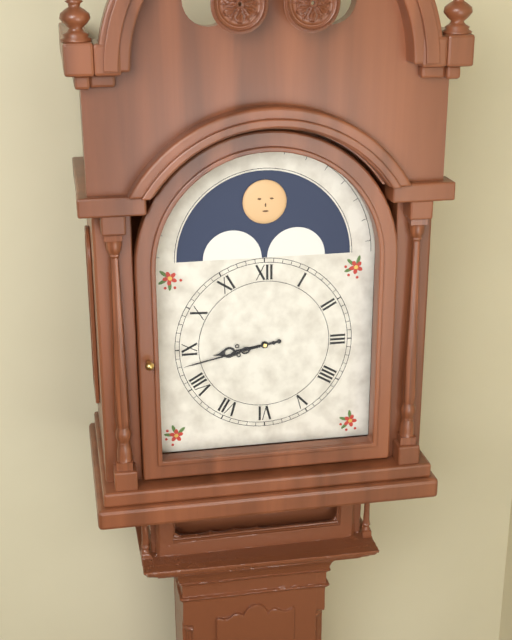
h=8 m=43
